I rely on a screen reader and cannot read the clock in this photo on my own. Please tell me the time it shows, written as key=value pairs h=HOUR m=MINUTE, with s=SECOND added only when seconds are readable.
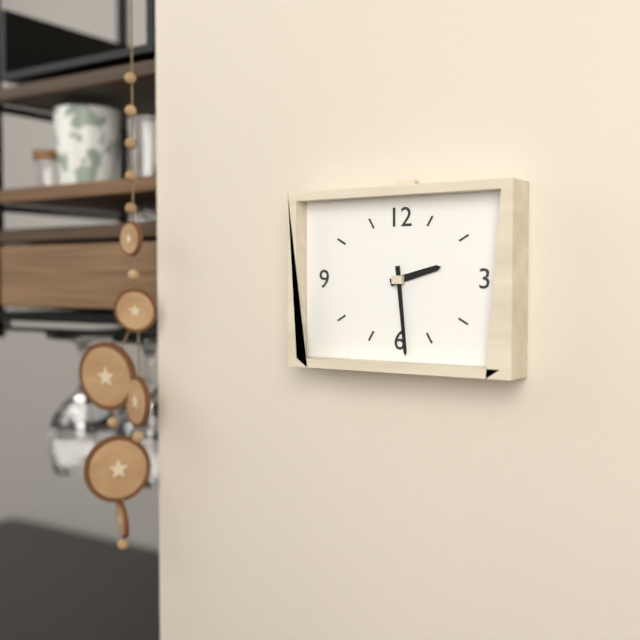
h=2 m=29
